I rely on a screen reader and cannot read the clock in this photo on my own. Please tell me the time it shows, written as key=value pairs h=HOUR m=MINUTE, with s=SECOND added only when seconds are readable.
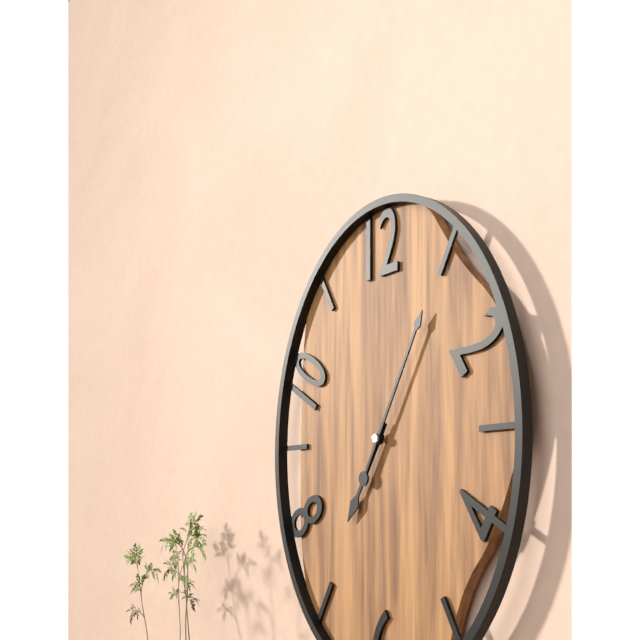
h=7 m=5
